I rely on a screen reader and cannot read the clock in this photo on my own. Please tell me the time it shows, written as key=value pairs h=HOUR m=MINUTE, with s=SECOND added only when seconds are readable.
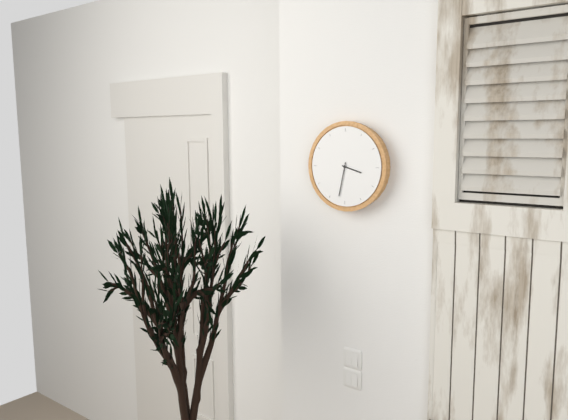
h=3 m=32
